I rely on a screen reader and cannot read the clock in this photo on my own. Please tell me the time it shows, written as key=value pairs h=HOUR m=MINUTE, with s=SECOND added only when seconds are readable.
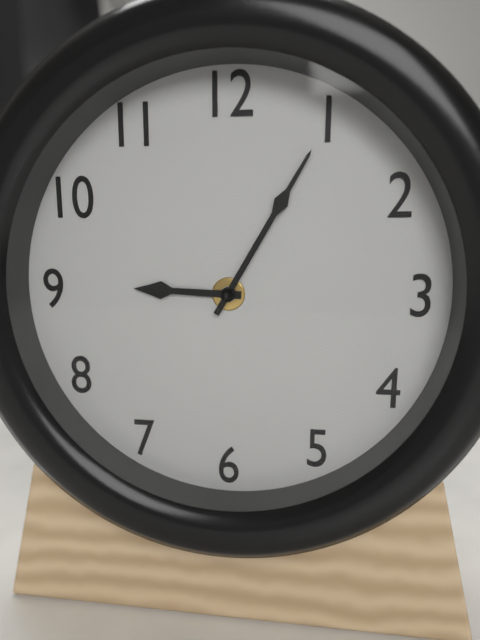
h=9 m=5
